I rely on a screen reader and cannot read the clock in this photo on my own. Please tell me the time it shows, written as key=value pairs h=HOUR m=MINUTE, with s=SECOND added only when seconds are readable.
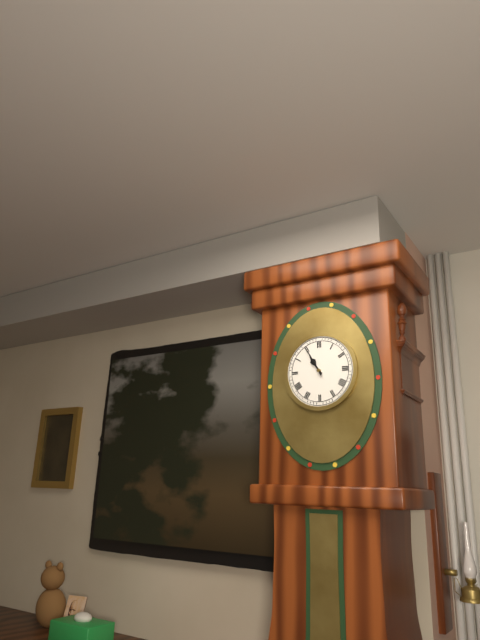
h=10 m=55
